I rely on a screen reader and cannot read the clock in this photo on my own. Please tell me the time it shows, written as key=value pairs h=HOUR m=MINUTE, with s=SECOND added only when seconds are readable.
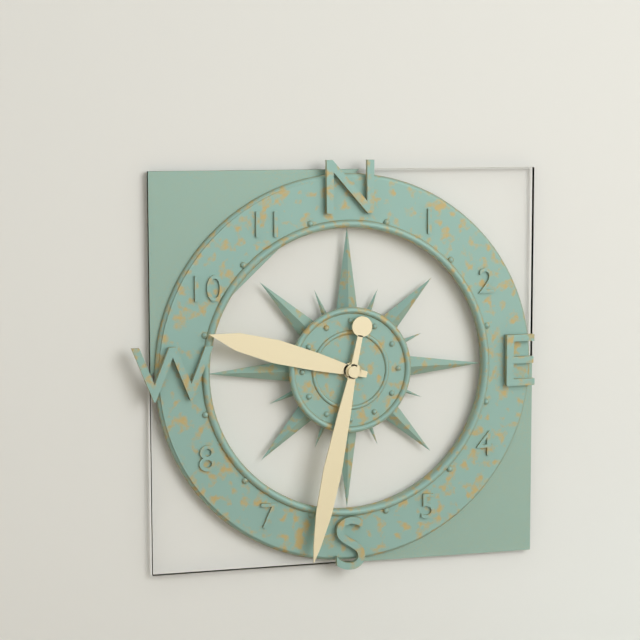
h=9 m=32
